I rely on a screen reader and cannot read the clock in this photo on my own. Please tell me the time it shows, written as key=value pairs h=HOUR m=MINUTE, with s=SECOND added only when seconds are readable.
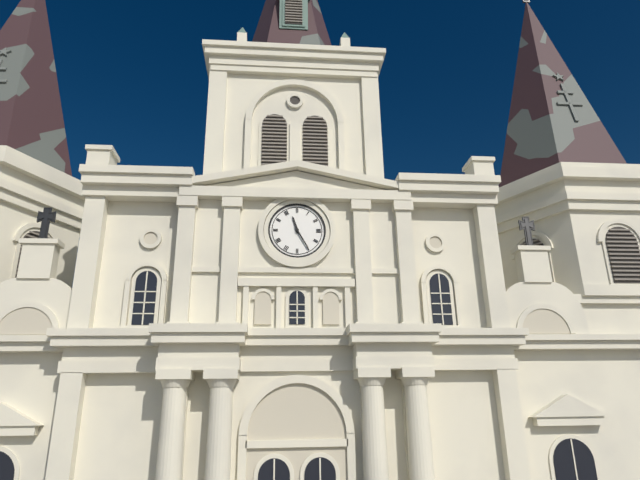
h=11 m=25
